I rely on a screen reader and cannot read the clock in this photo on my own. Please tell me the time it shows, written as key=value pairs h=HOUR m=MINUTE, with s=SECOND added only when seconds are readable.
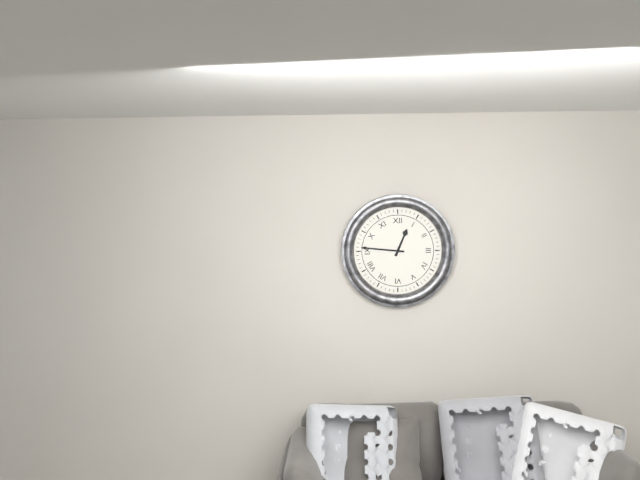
h=12 m=46
